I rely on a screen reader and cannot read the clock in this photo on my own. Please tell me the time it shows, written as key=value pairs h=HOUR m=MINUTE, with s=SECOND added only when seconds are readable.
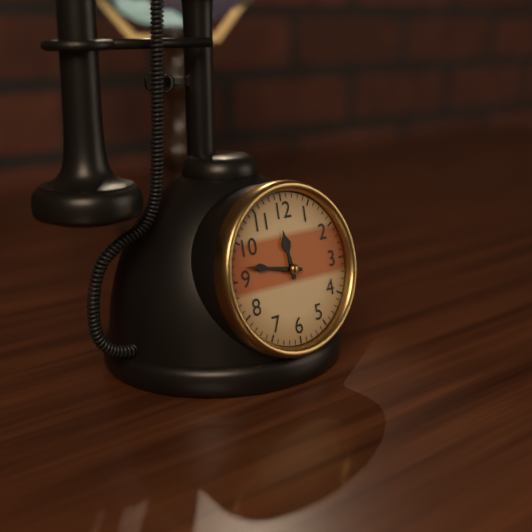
h=11 m=47
